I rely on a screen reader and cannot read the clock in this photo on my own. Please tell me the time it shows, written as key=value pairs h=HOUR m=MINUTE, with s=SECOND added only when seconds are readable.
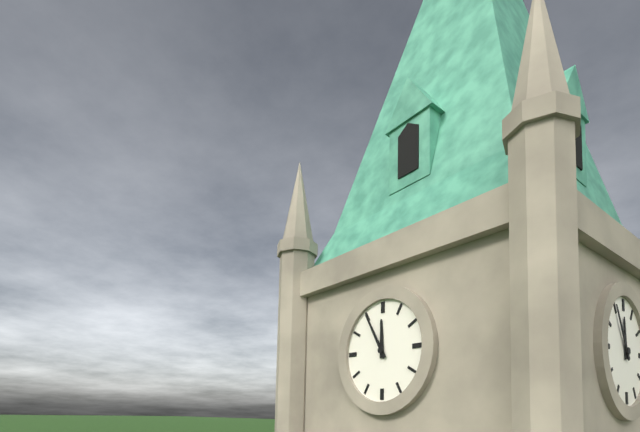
h=11 m=55
